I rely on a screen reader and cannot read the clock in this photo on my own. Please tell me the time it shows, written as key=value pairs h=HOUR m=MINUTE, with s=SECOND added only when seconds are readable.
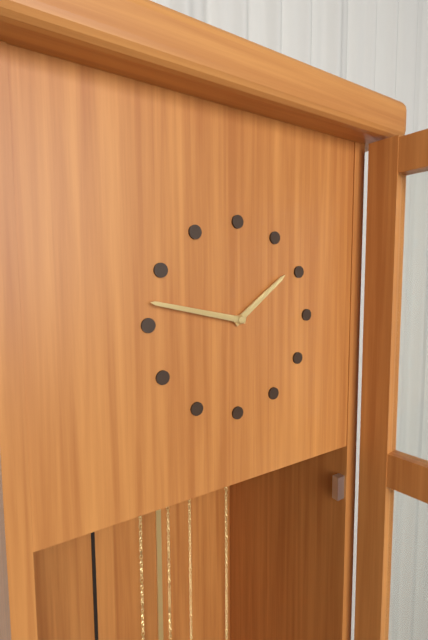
h=1 m=47
